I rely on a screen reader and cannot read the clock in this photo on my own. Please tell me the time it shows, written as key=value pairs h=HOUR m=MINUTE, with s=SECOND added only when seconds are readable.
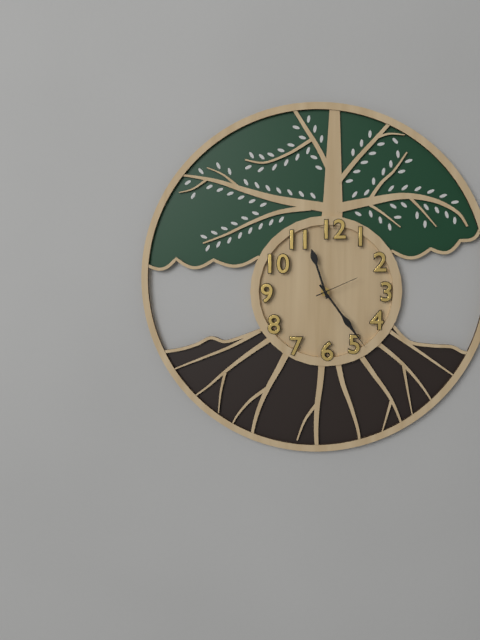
h=11 m=24
